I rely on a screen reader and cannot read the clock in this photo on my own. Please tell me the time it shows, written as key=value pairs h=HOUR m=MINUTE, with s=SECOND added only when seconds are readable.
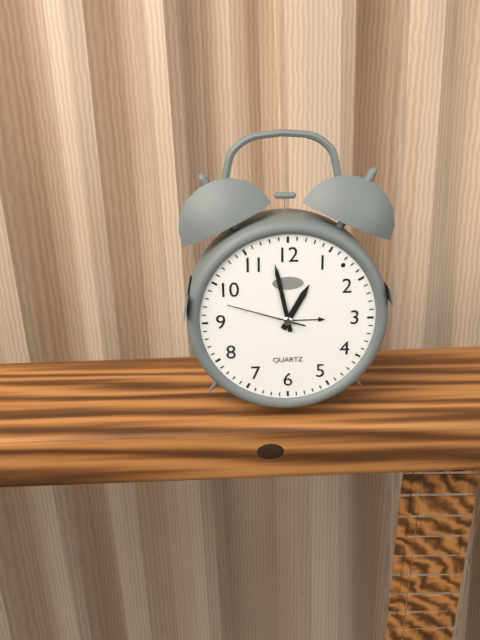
h=12 m=58 s=48
